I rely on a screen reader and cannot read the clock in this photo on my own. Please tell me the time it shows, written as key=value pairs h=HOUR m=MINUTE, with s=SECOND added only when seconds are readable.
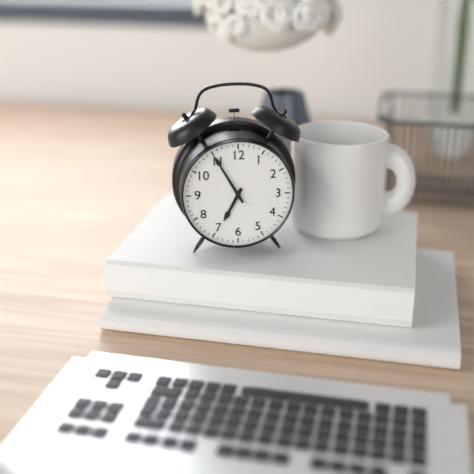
h=6 m=55
